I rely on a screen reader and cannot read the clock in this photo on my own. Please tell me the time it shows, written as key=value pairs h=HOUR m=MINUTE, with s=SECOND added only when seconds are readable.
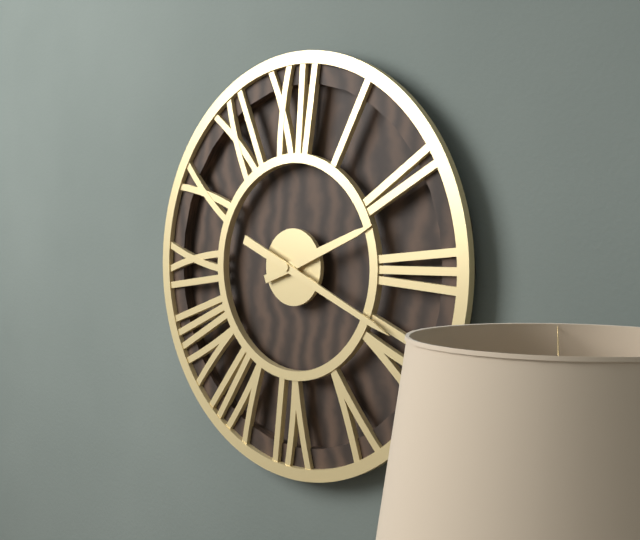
h=2 m=19
